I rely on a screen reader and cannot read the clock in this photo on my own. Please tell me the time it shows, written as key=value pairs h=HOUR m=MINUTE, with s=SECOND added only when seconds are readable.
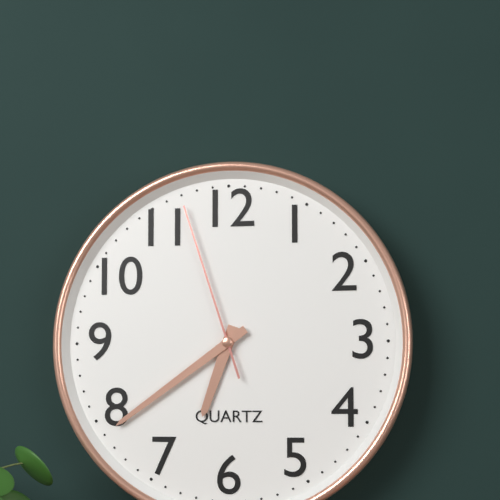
h=6 m=39 s=57
